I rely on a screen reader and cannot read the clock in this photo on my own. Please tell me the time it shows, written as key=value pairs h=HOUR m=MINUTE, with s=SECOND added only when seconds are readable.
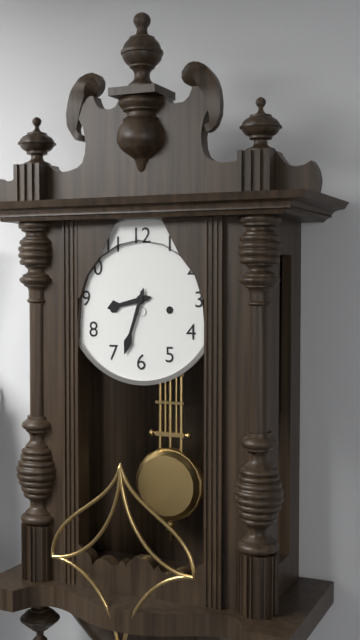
h=8 m=33
